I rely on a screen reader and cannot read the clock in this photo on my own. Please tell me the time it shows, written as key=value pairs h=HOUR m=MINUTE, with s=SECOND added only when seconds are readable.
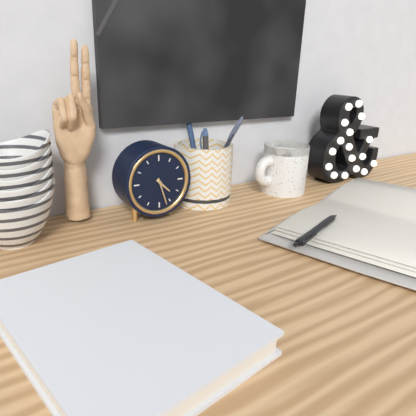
h=4 m=27
